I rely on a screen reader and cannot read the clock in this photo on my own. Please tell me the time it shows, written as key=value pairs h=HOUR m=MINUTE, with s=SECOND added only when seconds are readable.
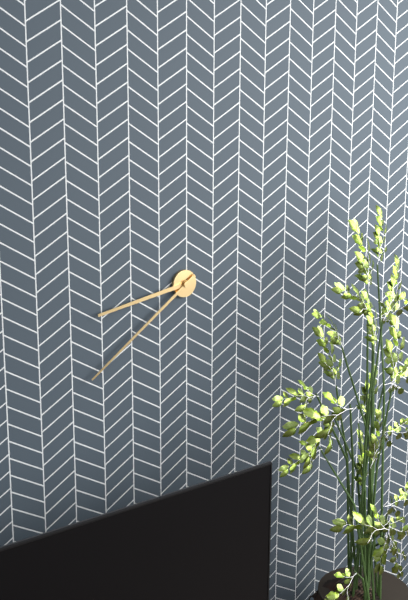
h=8 m=39
